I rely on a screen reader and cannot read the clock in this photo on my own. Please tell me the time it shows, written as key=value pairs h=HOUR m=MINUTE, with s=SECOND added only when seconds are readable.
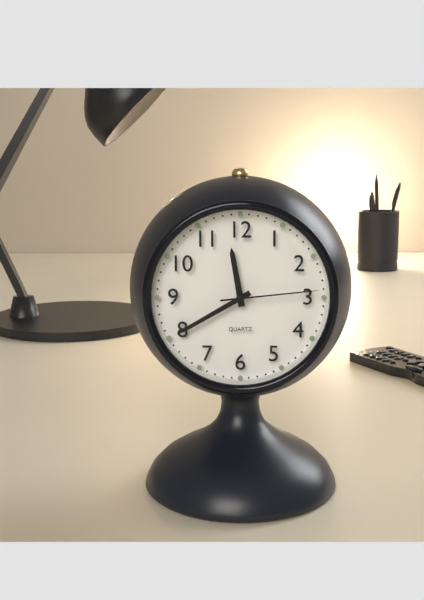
h=11 m=40 s=14
